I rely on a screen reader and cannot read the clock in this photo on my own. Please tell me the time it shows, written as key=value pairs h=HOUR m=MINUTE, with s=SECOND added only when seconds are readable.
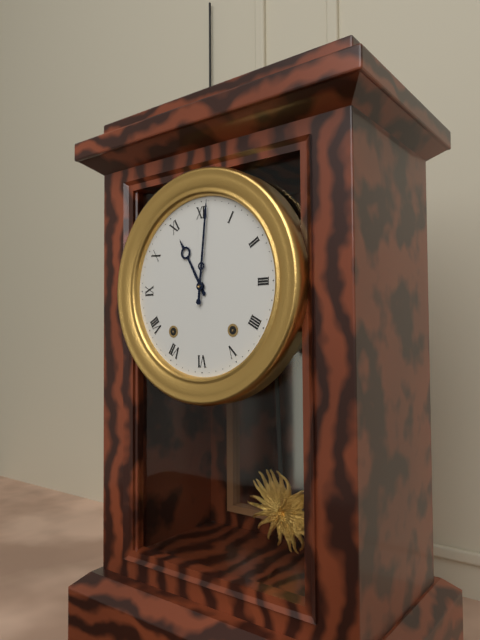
h=11 m=1
